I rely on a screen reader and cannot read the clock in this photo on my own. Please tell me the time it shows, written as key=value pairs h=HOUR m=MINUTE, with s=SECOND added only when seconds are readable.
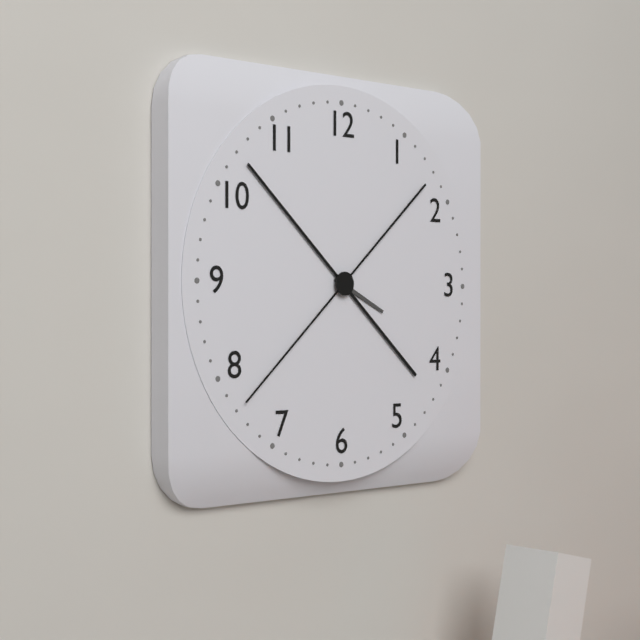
h=3 m=52 s=38
